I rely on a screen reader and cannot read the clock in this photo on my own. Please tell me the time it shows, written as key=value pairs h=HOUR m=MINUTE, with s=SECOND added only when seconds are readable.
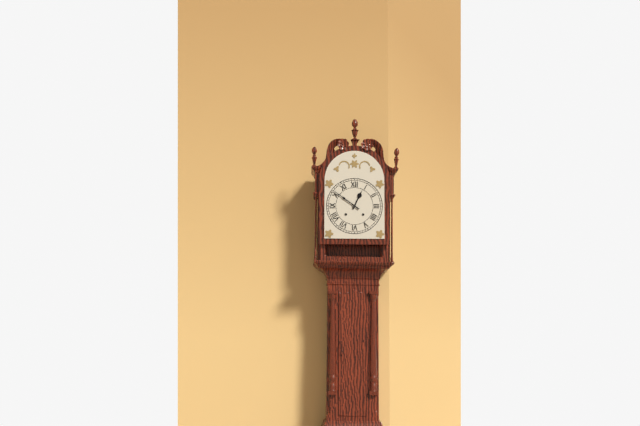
h=12 m=51
